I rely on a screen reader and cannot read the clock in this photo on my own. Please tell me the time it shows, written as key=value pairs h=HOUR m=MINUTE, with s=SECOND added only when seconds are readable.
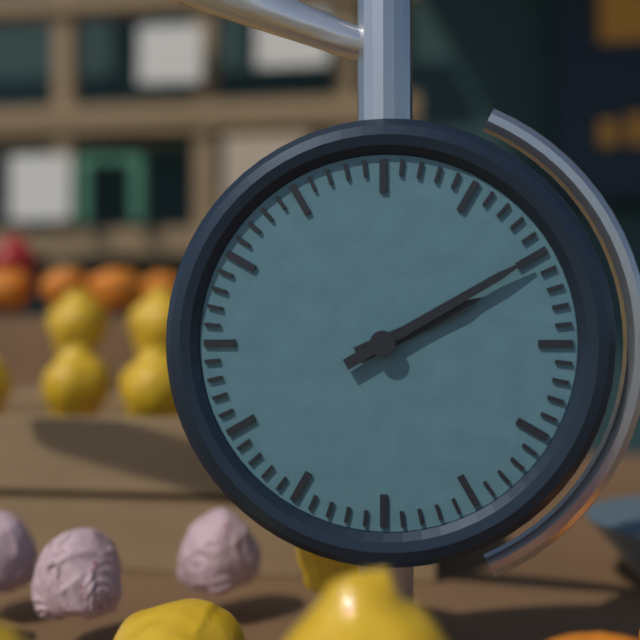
h=2 m=10
